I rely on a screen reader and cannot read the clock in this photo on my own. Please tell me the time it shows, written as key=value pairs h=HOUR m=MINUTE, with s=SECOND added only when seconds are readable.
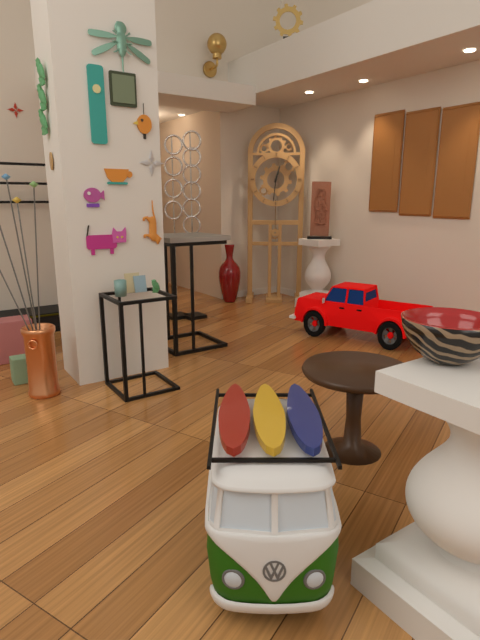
h=12 m=31
